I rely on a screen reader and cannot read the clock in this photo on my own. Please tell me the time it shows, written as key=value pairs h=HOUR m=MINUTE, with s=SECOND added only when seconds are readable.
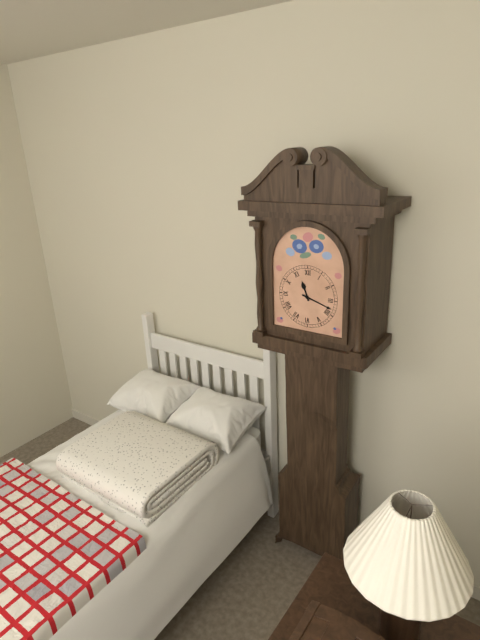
h=11 m=18
